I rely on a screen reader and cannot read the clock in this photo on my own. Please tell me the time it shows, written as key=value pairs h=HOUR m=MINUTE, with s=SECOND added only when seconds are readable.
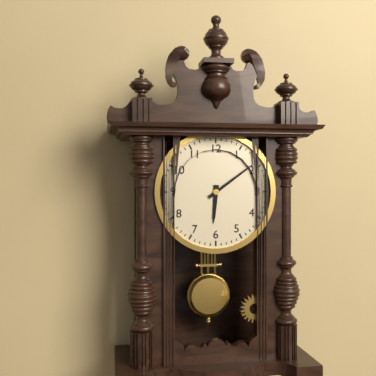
h=6 m=9
